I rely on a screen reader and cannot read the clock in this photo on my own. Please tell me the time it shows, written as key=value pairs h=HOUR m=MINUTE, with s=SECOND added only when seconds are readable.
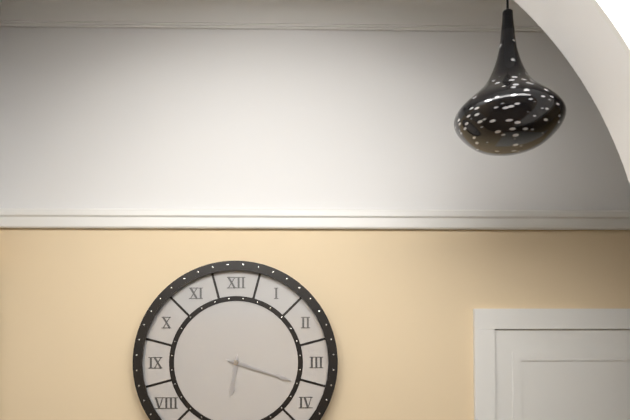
h=6 m=18
